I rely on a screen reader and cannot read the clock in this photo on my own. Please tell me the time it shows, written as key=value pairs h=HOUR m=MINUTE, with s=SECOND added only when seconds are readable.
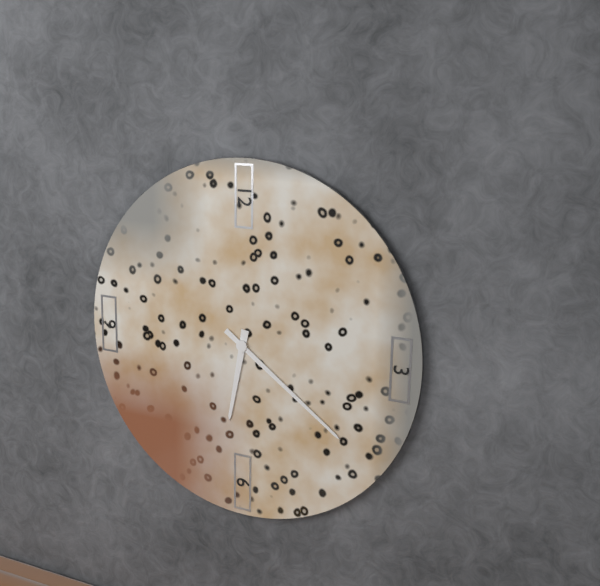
h=6 m=21
